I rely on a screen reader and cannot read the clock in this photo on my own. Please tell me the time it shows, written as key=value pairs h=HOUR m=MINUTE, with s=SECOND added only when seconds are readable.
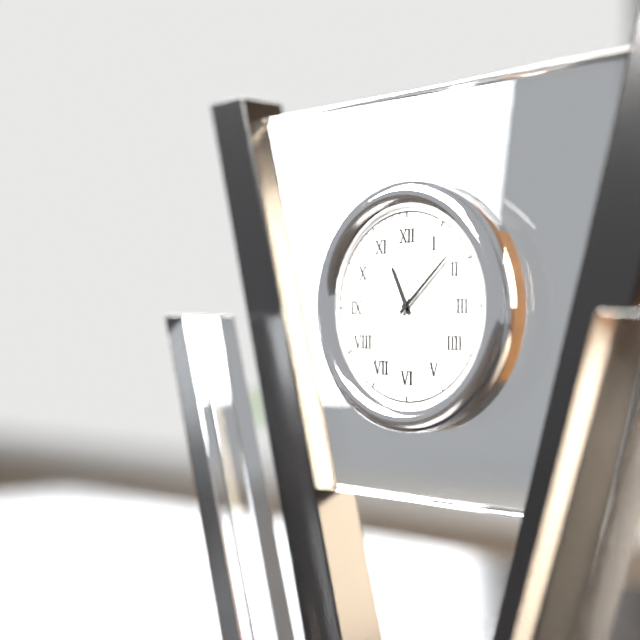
h=11 m=8 s=36
